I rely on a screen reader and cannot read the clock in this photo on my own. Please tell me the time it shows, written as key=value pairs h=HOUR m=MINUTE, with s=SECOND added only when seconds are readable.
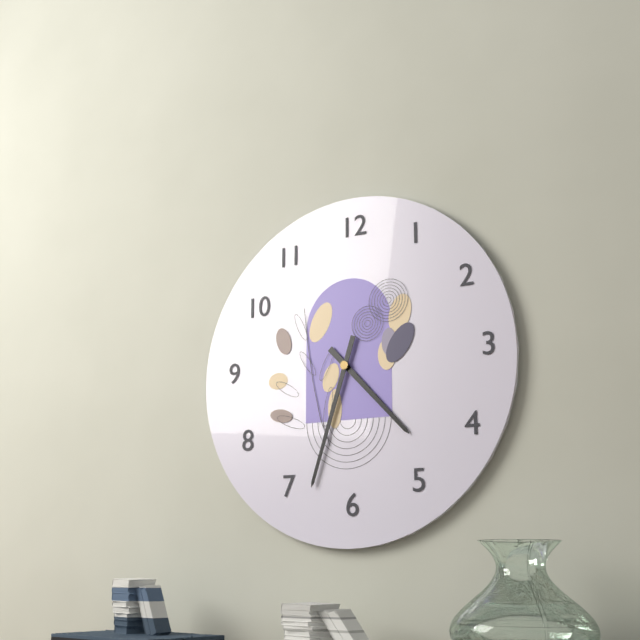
h=4 m=33
